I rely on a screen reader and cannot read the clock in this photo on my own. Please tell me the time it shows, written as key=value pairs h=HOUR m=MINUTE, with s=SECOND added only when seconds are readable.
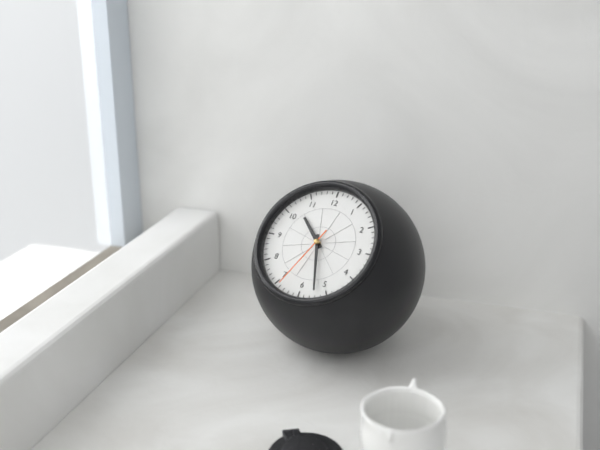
h=10 m=27 s=34
